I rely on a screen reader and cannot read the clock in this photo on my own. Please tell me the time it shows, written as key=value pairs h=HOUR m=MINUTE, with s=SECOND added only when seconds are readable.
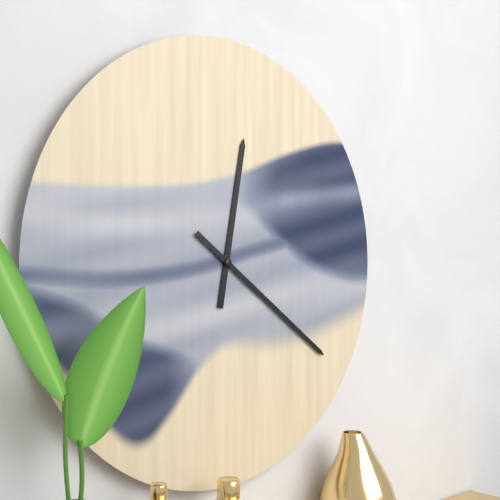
h=12 m=21
